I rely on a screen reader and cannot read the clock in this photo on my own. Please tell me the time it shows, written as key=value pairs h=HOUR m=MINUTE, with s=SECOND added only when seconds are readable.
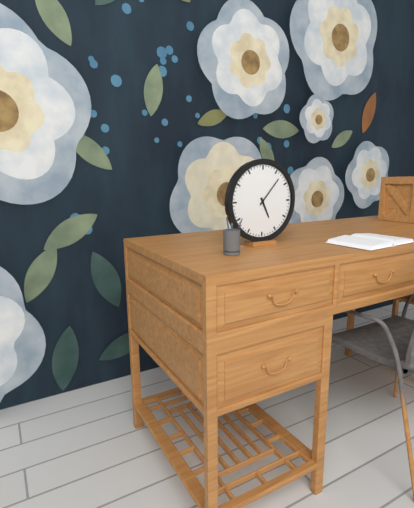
h=5 m=7
